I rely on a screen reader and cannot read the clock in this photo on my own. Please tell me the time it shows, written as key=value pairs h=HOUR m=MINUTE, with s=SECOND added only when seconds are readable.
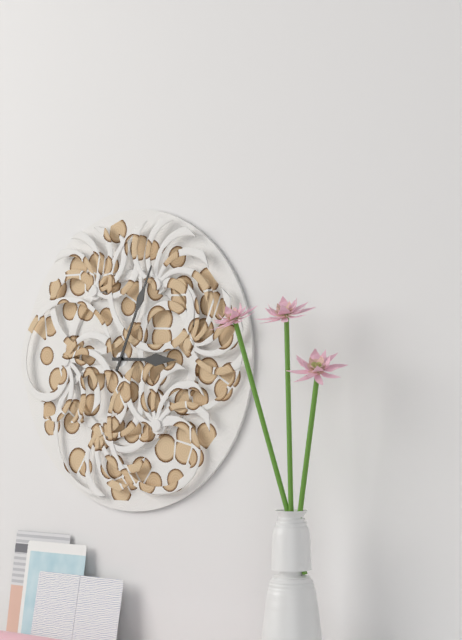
h=3 m=4
